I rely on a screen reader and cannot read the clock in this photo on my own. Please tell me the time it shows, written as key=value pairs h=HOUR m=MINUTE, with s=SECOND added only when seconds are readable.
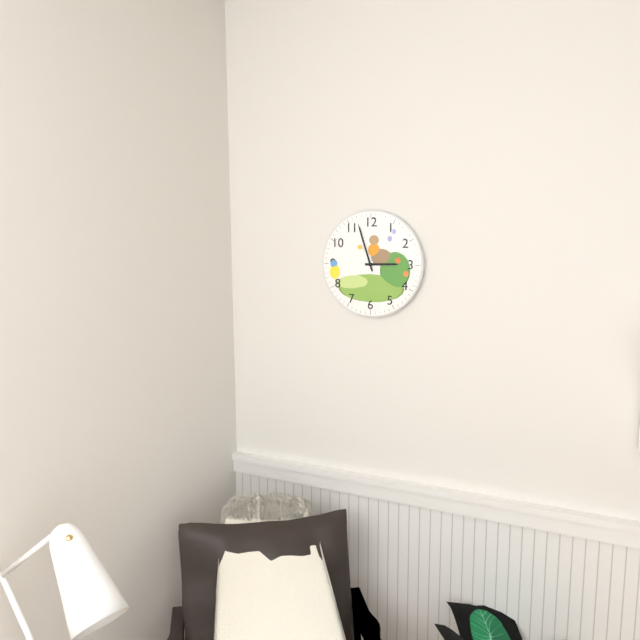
h=2 m=57
